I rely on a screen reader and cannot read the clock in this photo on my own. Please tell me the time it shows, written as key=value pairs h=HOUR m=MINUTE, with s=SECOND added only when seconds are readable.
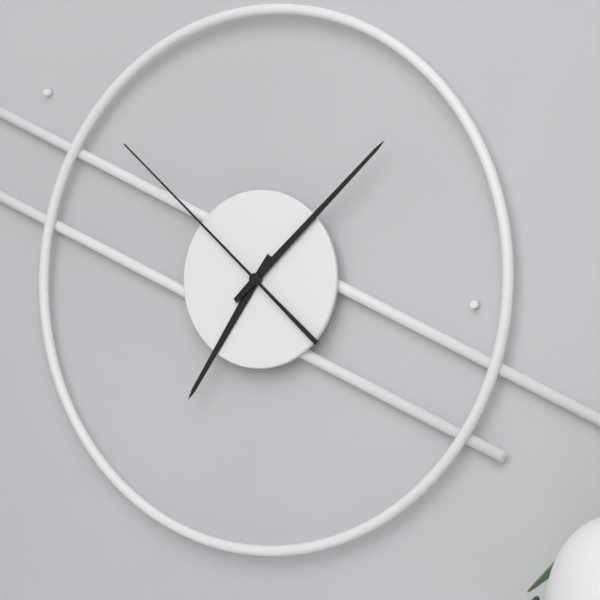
h=7 m=8 s=52
